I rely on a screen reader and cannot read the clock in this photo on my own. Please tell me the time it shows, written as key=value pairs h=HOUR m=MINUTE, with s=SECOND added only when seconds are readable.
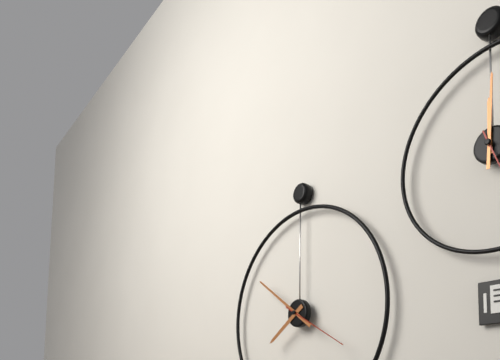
h=7 m=51 s=20
